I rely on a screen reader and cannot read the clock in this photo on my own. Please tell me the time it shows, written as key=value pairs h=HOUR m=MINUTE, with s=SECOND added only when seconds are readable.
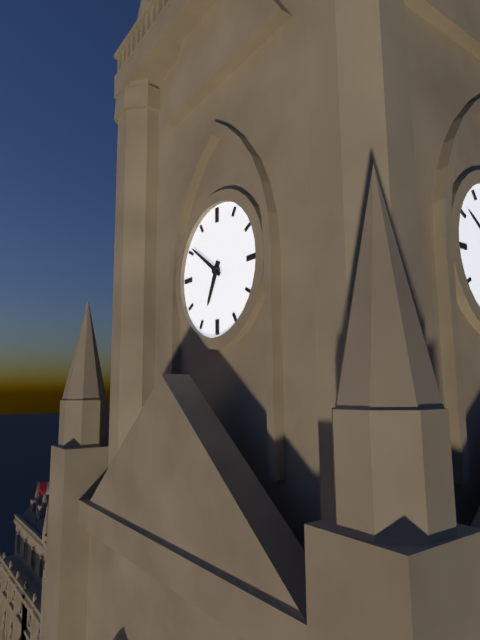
h=6 m=51
